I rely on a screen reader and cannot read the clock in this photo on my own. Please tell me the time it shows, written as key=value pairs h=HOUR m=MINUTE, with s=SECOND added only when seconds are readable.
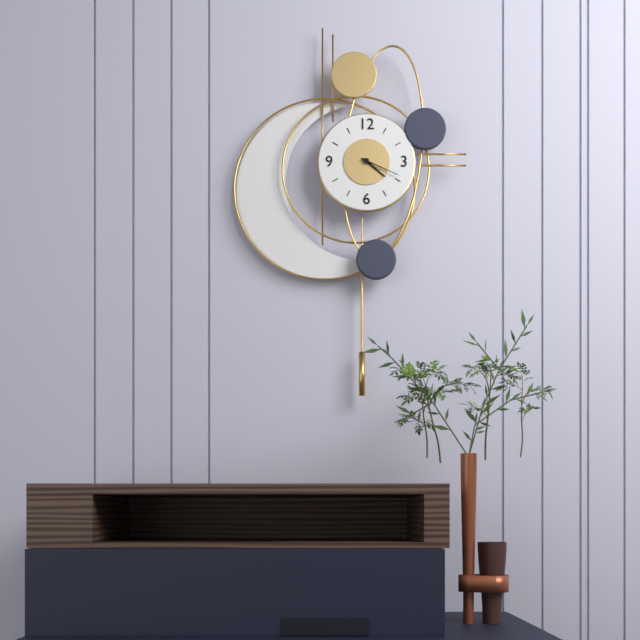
h=4 m=19
